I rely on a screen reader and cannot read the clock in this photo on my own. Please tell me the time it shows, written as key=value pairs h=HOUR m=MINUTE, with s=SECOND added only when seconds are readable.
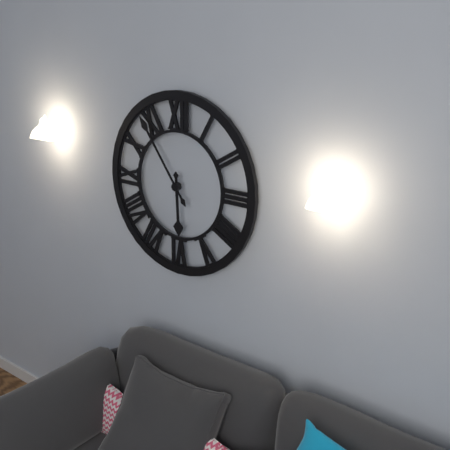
h=5 m=54
